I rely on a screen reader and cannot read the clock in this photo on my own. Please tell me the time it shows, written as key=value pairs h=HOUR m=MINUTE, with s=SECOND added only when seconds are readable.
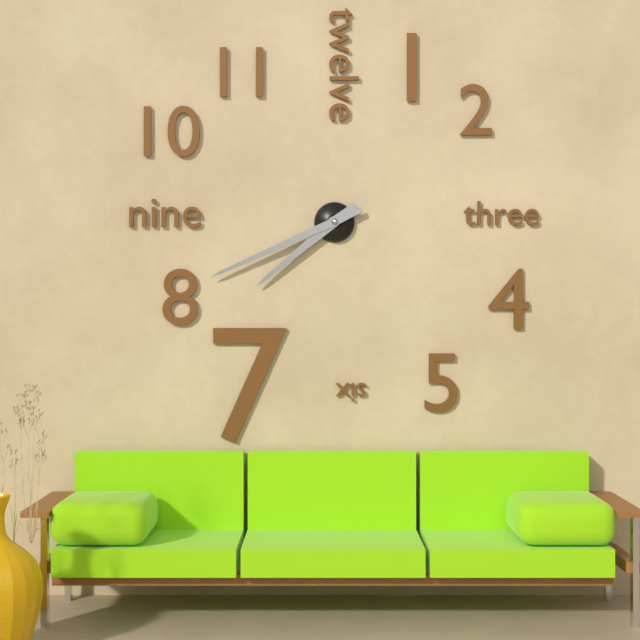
h=7 m=41
